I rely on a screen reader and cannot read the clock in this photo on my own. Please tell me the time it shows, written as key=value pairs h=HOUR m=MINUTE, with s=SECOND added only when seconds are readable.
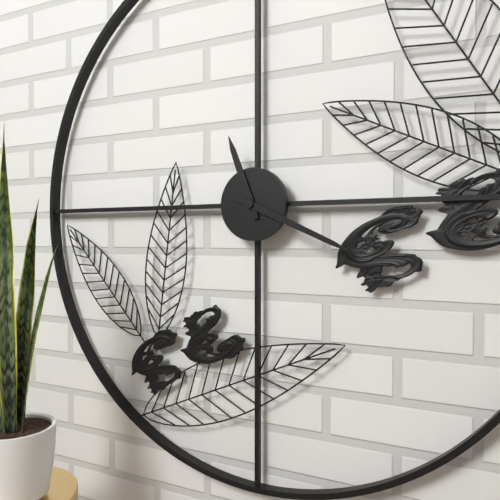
h=11 m=19
